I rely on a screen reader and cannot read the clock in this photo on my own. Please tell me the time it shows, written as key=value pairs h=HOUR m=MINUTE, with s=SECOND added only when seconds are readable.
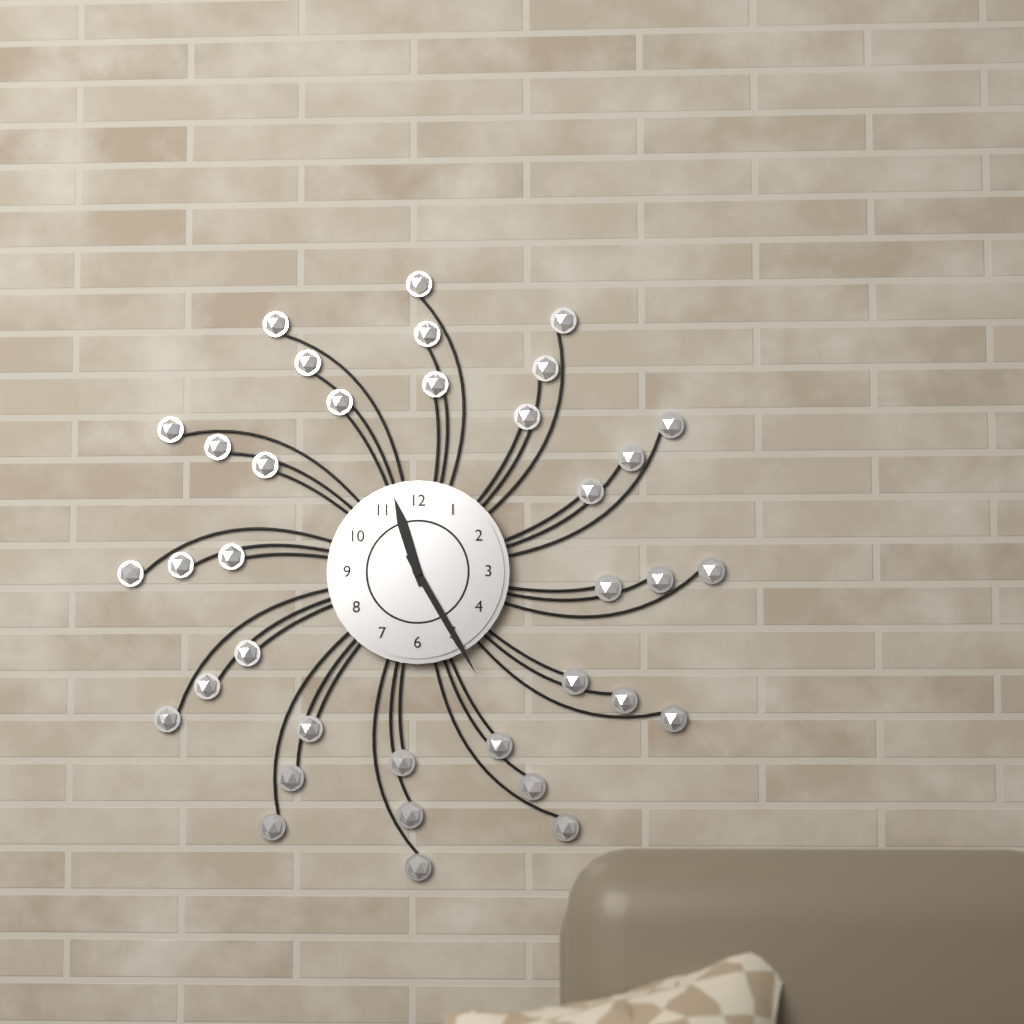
h=11 m=25
